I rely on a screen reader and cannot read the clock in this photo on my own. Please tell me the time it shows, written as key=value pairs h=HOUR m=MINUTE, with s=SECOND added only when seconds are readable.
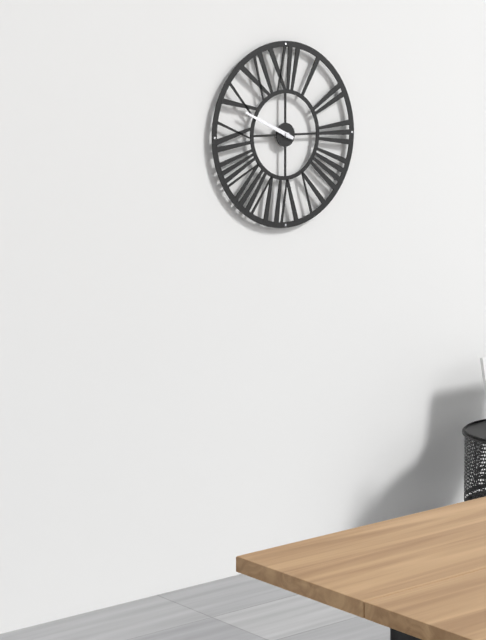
h=9 m=49
